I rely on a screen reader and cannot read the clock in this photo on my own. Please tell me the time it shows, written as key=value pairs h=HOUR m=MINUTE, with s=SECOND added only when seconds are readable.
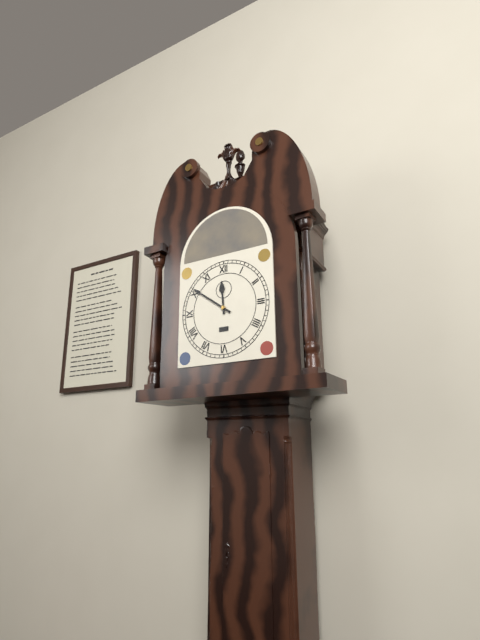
h=11 m=51
